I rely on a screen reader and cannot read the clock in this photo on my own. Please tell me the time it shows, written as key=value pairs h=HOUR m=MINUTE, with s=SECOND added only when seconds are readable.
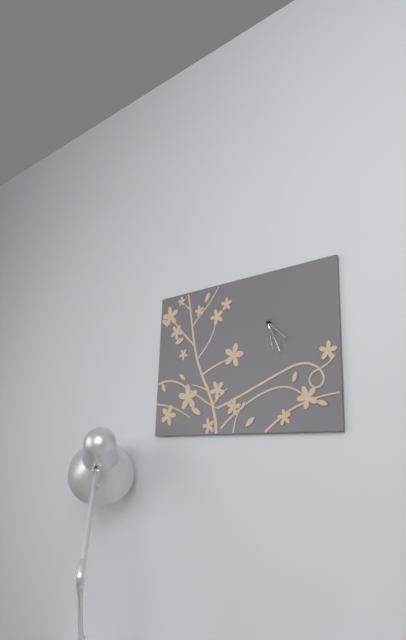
h=4 m=26
